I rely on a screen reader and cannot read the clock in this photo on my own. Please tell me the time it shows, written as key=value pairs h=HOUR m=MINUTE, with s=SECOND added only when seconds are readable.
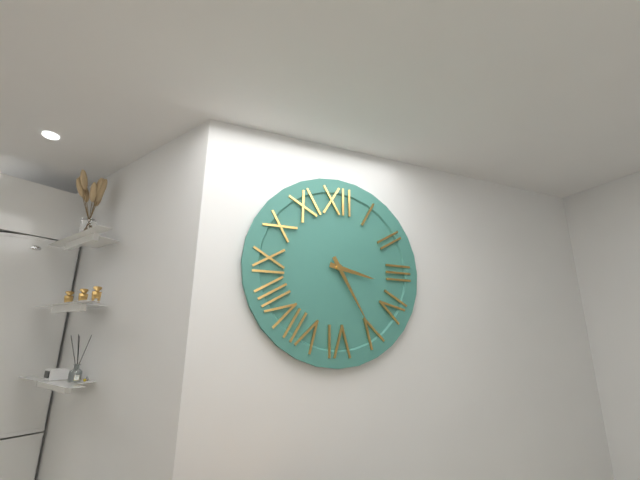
h=3 m=25
